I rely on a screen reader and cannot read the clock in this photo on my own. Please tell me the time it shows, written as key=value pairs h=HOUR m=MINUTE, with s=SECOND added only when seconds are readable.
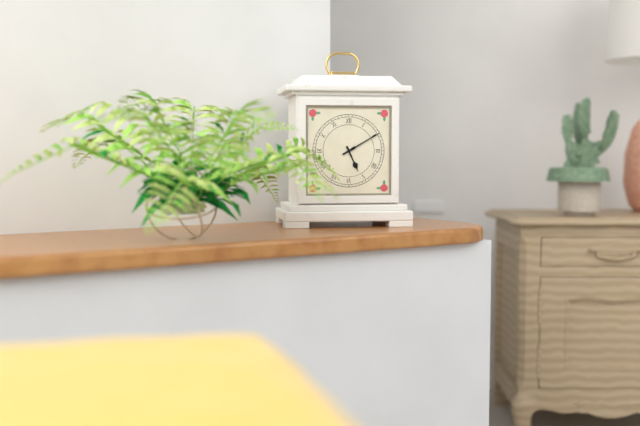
h=5 m=10
